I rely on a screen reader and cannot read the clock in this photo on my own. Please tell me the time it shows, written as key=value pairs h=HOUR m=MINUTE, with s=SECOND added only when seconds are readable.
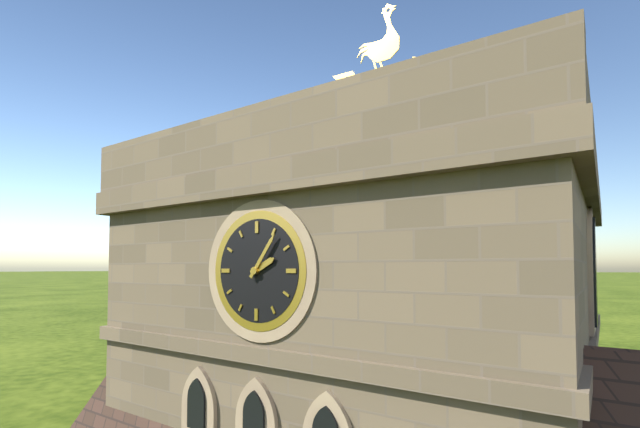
h=2 m=6
